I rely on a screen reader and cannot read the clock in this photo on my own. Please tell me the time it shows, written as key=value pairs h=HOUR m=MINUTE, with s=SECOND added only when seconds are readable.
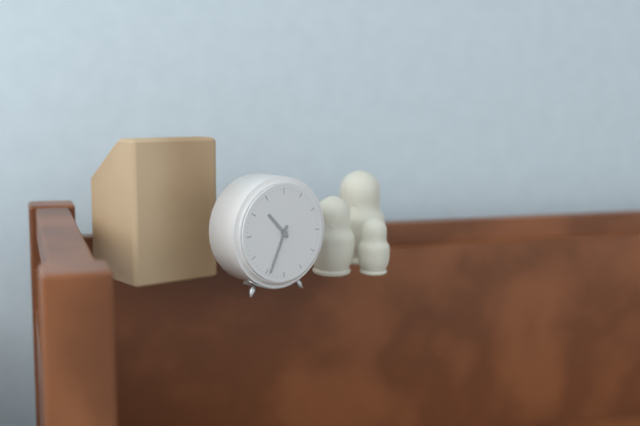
h=10 m=34
